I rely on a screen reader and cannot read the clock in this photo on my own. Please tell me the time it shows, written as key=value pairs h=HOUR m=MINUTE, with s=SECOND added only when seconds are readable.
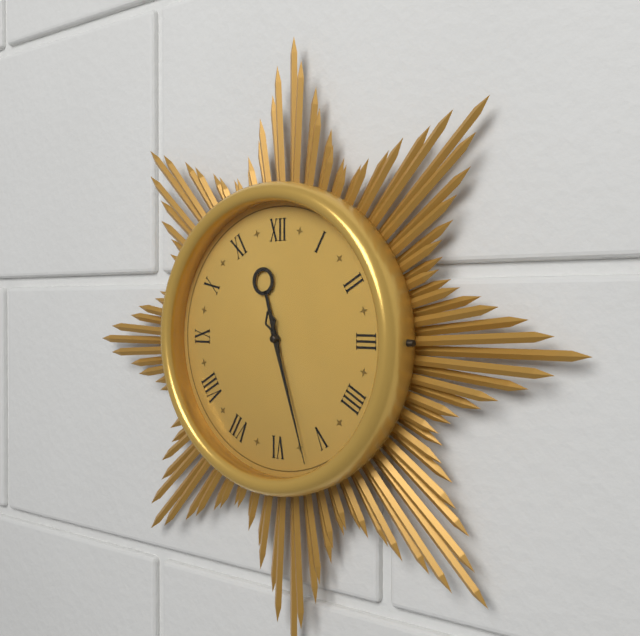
h=11 m=27
